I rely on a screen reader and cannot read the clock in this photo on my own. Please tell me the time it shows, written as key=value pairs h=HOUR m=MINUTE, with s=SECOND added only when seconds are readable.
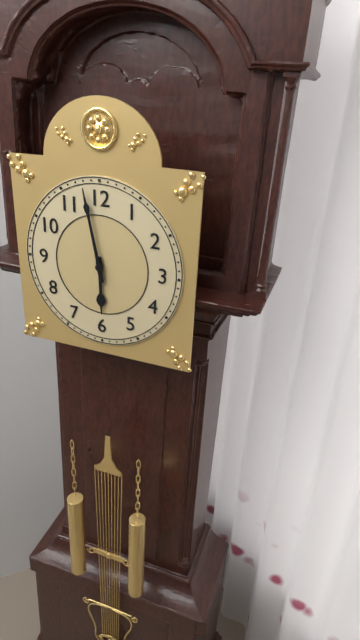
h=5 m=58
